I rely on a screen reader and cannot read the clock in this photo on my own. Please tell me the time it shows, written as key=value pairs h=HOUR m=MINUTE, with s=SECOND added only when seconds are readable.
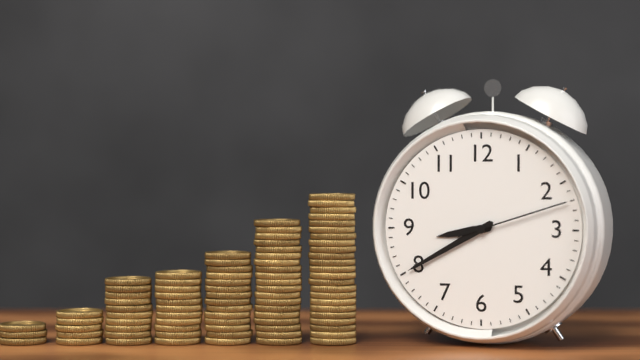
h=8 m=40 s=12
